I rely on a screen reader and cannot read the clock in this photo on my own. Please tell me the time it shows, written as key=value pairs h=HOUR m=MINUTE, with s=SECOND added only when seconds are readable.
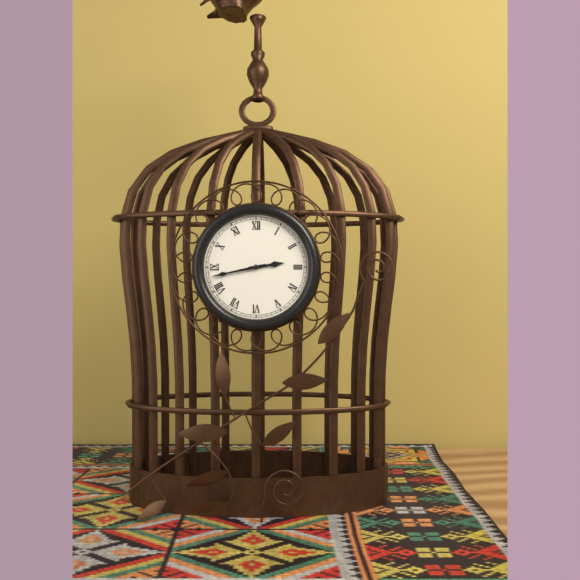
h=2 m=43
